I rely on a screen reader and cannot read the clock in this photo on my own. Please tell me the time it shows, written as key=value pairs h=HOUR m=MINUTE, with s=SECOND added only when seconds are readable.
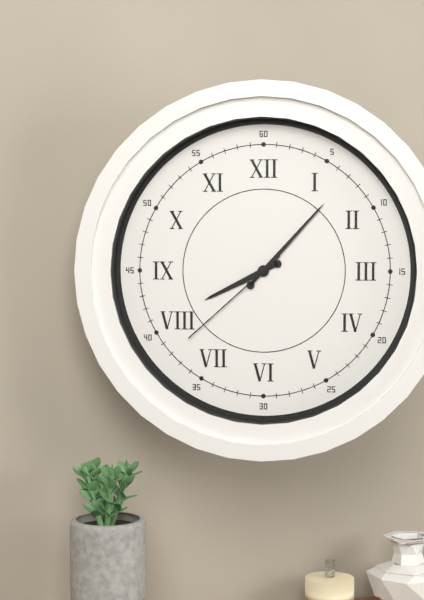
h=8 m=7 s=38
